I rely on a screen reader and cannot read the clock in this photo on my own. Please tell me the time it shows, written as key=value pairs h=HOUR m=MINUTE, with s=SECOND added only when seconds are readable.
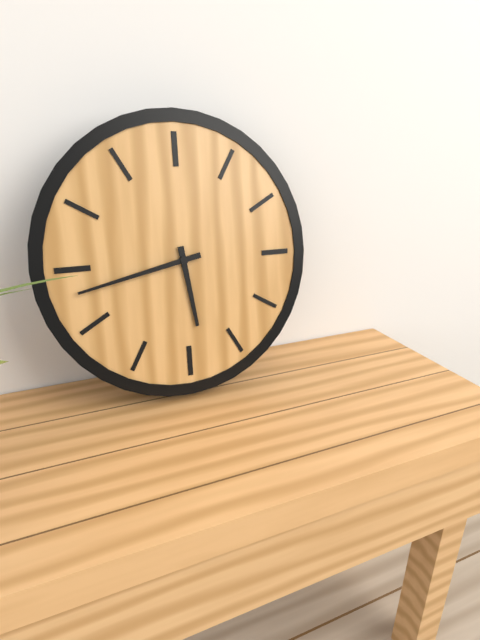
h=5 m=43
